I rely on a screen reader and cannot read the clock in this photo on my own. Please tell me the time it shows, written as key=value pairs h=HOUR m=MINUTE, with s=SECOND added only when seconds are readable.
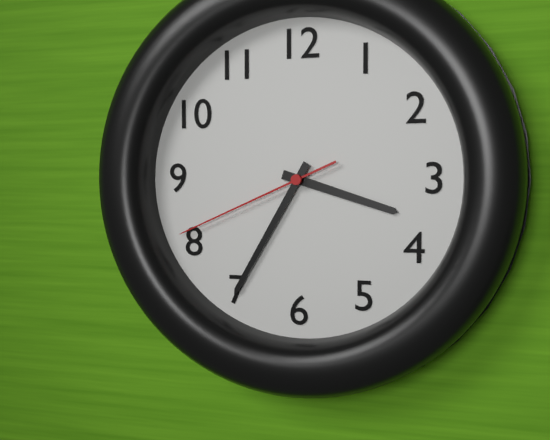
h=3 m=35 s=41
